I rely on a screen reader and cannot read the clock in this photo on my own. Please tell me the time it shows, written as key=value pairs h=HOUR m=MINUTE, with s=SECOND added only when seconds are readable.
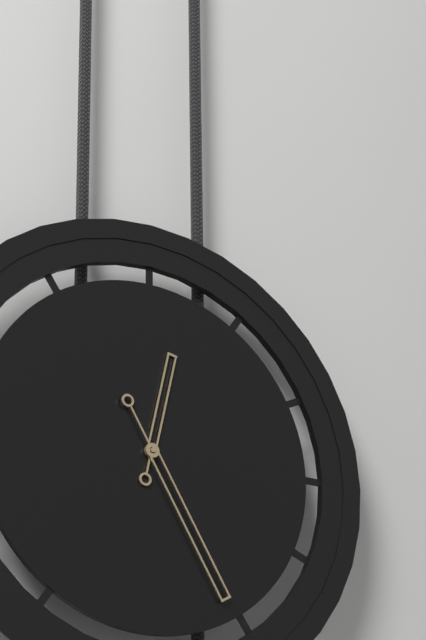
h=12 m=25
